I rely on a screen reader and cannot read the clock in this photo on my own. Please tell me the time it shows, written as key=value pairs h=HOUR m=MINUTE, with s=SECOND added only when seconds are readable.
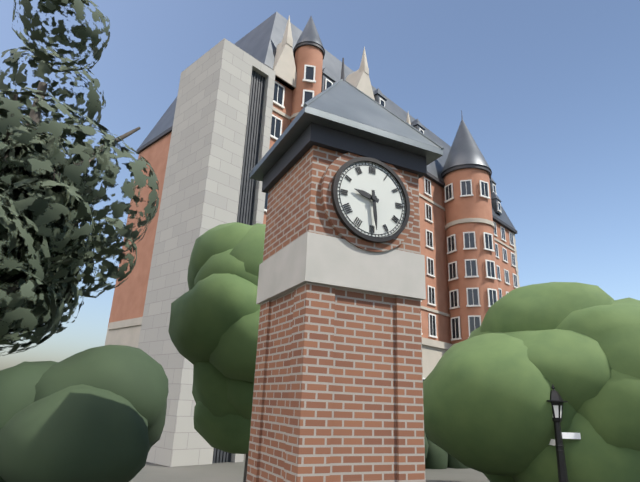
h=9 m=29
